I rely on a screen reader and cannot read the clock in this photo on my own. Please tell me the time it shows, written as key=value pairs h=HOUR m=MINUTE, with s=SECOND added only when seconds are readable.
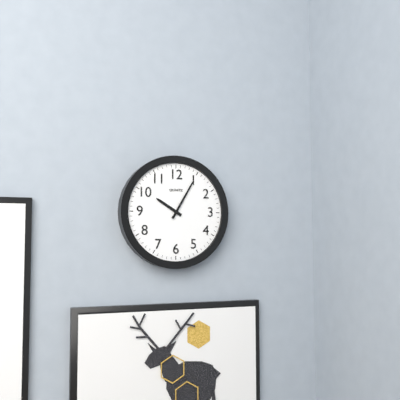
h=10 m=5
